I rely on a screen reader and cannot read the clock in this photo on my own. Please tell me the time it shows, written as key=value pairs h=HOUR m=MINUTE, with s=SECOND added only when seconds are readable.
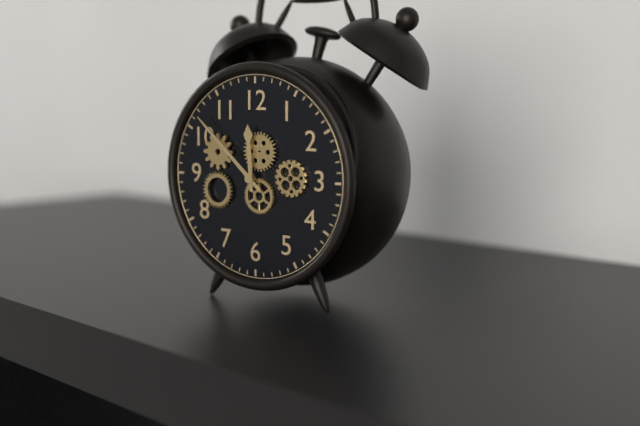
h=11 m=52
